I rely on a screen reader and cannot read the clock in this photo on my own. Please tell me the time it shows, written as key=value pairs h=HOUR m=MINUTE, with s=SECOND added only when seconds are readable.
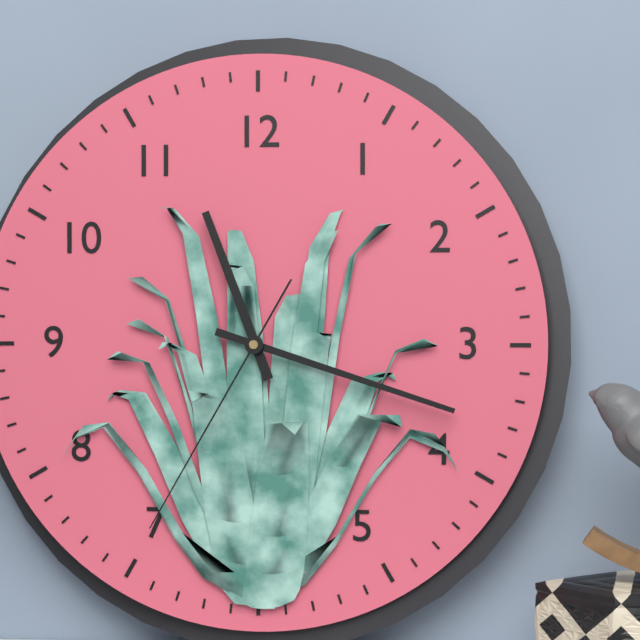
h=11 m=18 s=35
